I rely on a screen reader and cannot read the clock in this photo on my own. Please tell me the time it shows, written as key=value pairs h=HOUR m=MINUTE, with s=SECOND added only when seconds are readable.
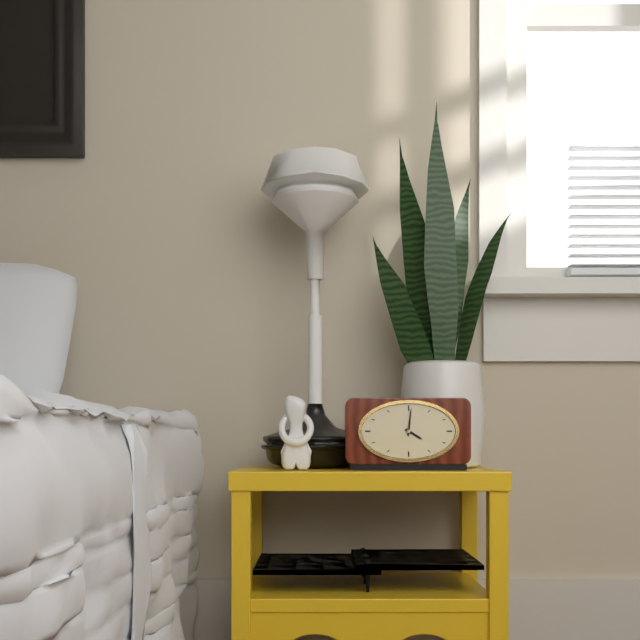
h=4 m=1
